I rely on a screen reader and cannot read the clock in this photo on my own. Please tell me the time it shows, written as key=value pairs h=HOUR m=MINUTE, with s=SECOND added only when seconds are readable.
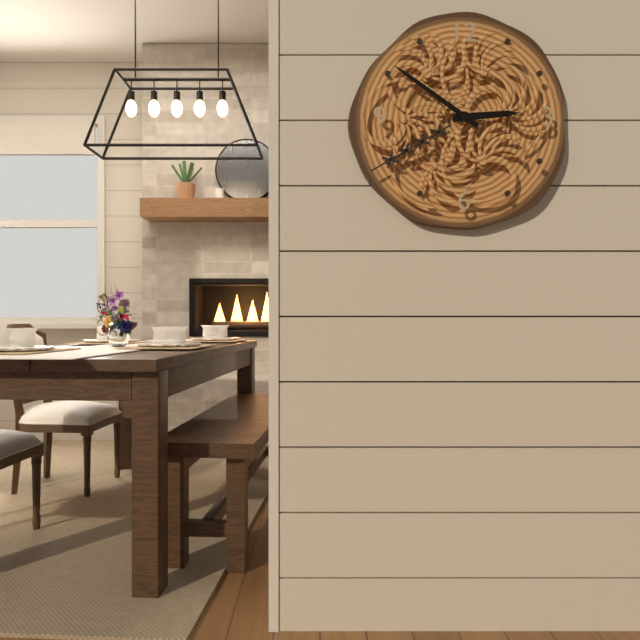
h=2 m=51
